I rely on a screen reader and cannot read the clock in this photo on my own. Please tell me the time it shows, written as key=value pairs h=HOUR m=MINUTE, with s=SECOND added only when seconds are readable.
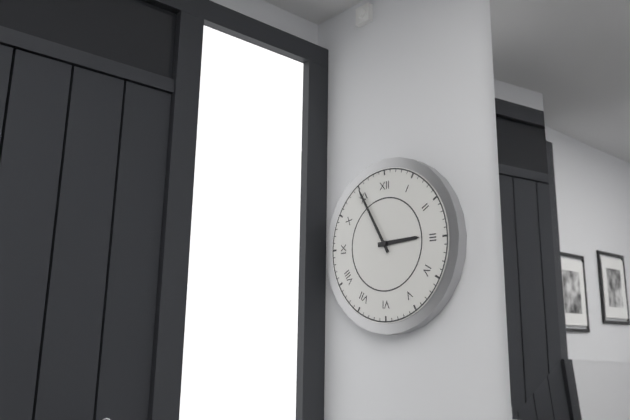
h=2 m=55
